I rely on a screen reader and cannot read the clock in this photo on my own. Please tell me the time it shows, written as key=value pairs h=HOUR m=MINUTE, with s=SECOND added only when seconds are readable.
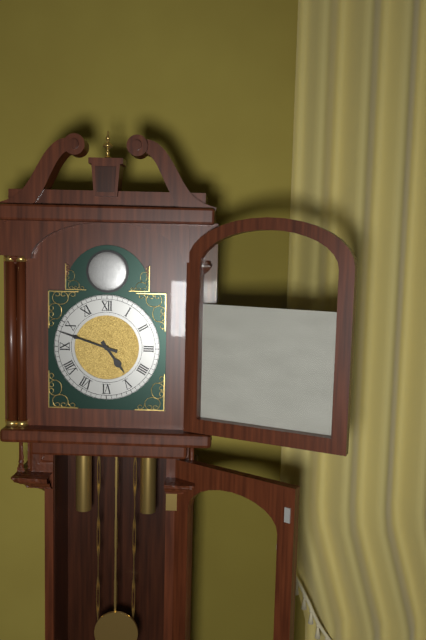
h=4 m=48
